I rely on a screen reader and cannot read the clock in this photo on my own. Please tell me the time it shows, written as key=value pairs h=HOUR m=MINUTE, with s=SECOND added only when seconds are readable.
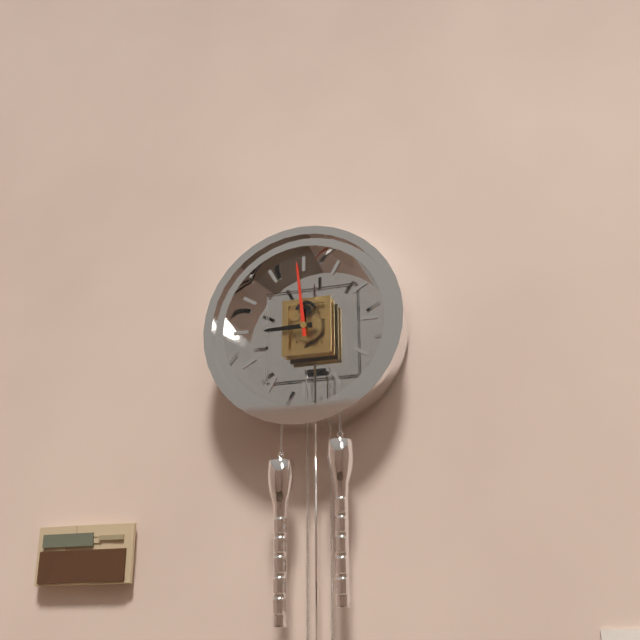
h=8 m=59
